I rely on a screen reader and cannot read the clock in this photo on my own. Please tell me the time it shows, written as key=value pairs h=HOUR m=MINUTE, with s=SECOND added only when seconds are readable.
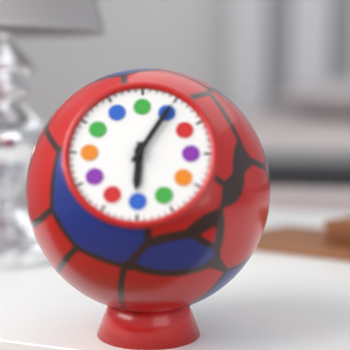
h=6 m=5
